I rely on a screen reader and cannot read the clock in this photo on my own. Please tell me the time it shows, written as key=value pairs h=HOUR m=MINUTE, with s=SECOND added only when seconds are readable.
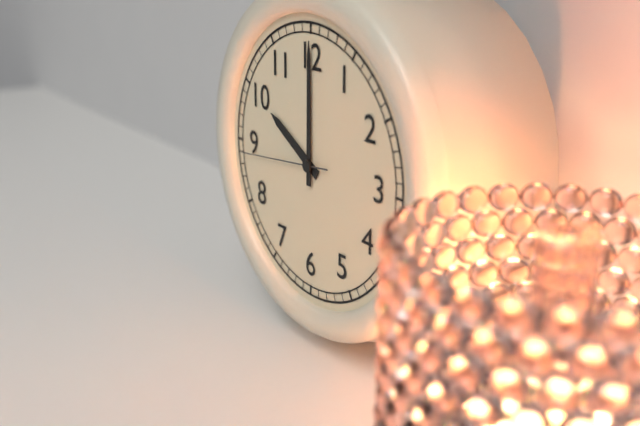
h=10 m=0 s=44
